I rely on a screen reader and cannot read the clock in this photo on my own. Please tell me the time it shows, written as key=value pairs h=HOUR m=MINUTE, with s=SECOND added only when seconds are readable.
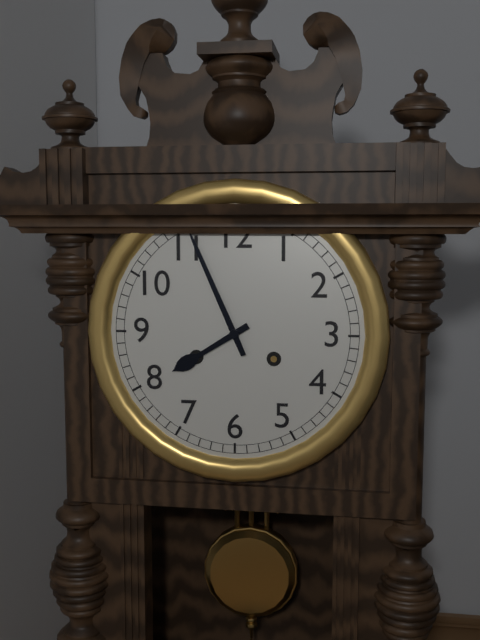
h=7 m=56
